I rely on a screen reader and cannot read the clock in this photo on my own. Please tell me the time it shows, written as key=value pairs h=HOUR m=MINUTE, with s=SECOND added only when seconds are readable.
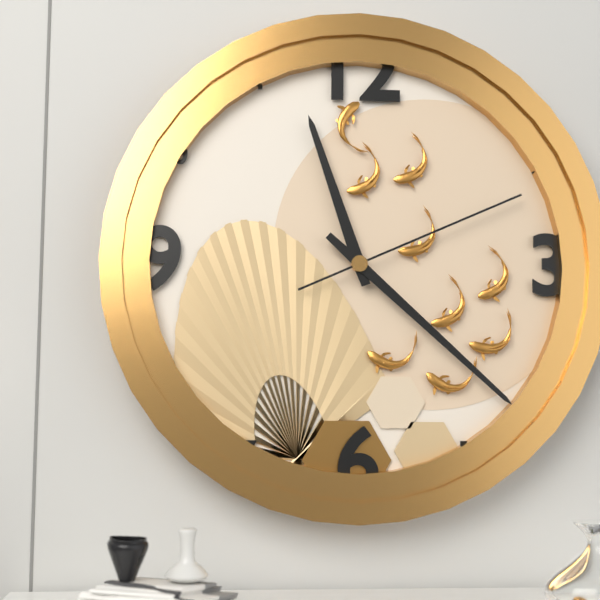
h=11 m=22 s=11
